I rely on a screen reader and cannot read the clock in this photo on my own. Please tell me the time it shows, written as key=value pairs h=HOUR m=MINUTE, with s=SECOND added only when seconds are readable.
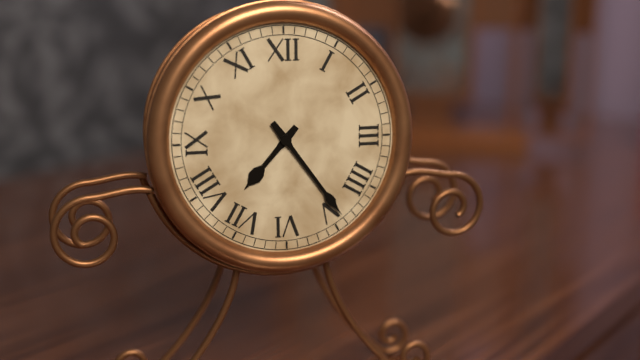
h=7 m=24
